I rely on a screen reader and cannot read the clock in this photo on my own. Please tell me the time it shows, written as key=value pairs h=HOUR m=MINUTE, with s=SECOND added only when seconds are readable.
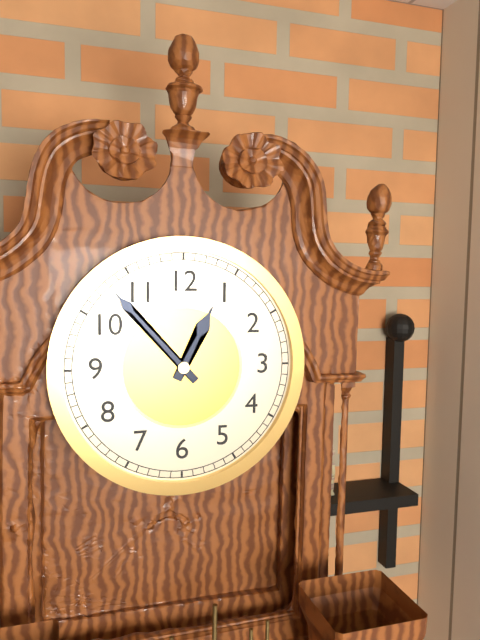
h=12 m=53
